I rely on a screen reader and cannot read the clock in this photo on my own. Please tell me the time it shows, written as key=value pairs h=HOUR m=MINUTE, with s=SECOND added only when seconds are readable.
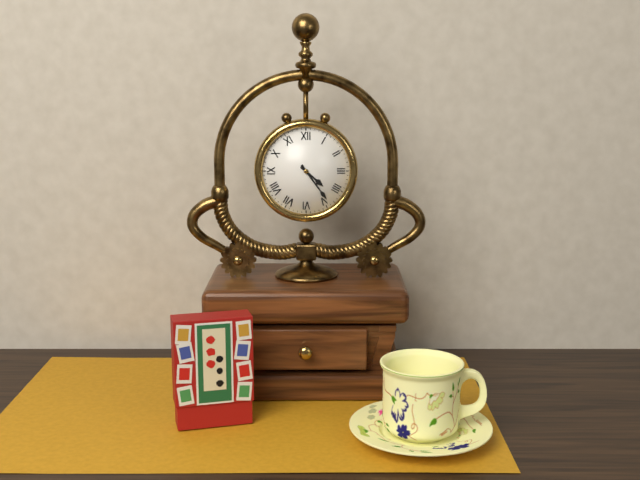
h=4 m=24
